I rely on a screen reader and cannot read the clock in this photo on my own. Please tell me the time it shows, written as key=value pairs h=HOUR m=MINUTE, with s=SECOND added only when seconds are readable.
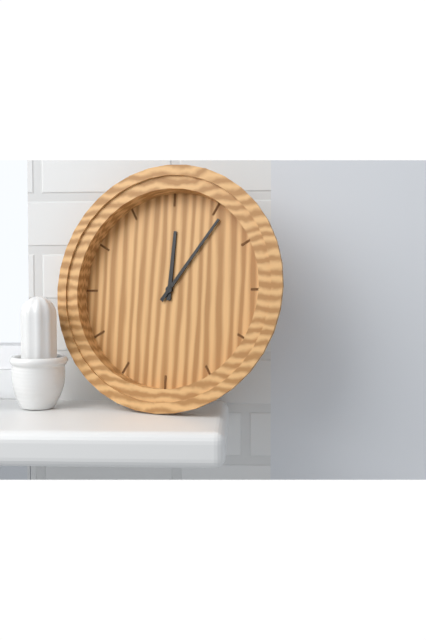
h=12 m=6
